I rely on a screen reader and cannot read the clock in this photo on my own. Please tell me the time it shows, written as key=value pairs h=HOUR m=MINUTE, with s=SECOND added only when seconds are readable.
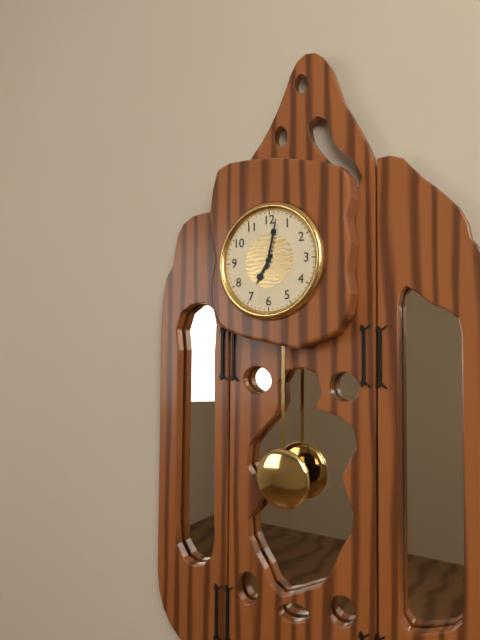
h=7 m=2
